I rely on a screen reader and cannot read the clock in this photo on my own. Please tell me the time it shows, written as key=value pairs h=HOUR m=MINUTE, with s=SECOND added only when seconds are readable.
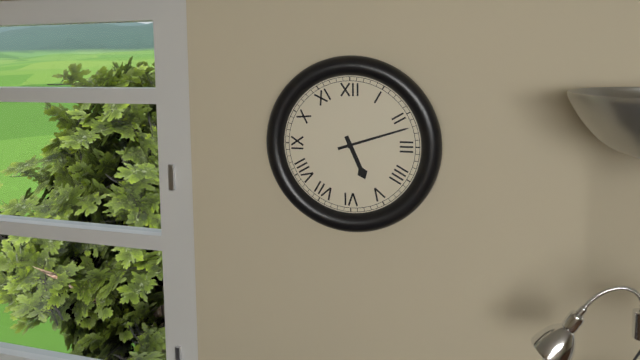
h=5 m=12
